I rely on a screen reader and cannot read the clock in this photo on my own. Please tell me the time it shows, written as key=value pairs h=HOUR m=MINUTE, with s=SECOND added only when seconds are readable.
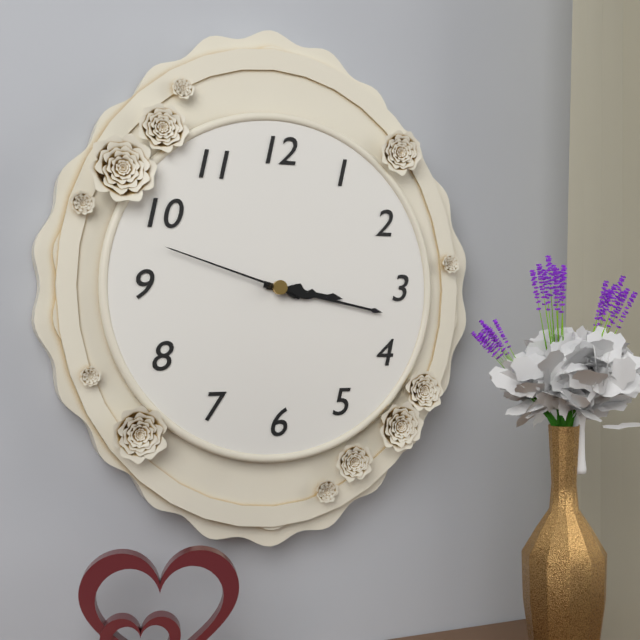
h=3 m=17 s=48
